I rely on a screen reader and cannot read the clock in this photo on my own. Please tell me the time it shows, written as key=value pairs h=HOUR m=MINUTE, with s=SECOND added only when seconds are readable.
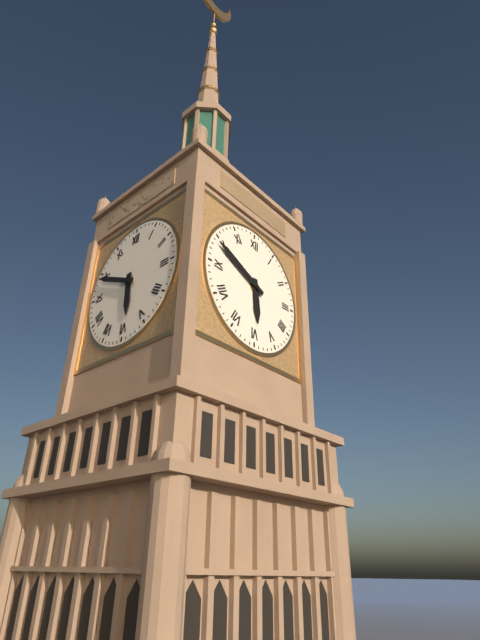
h=5 m=49
